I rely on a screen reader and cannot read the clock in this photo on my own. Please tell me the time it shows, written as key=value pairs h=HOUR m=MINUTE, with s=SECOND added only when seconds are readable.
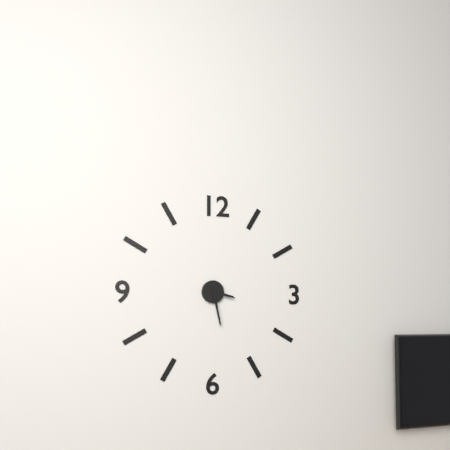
h=3 m=28
